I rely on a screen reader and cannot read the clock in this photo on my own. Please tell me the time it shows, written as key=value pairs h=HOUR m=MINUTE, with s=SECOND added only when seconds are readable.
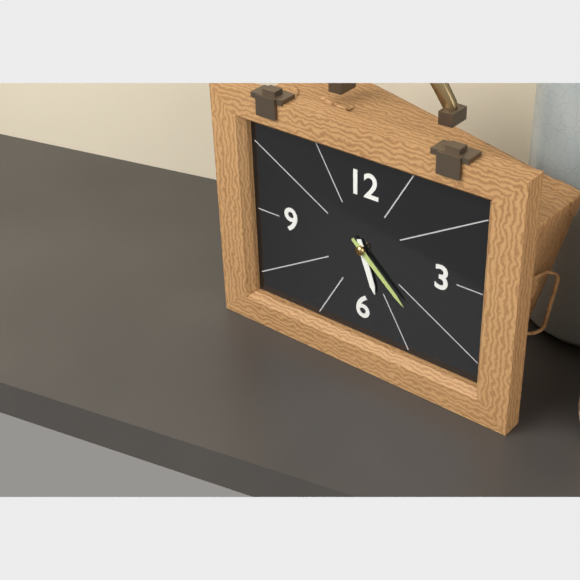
h=5 m=22
